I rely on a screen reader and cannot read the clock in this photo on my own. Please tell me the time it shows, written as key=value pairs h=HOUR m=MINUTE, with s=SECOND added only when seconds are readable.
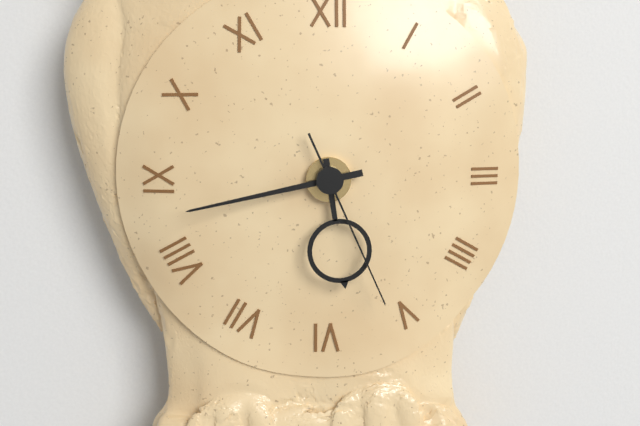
h=5 m=43 s=26
